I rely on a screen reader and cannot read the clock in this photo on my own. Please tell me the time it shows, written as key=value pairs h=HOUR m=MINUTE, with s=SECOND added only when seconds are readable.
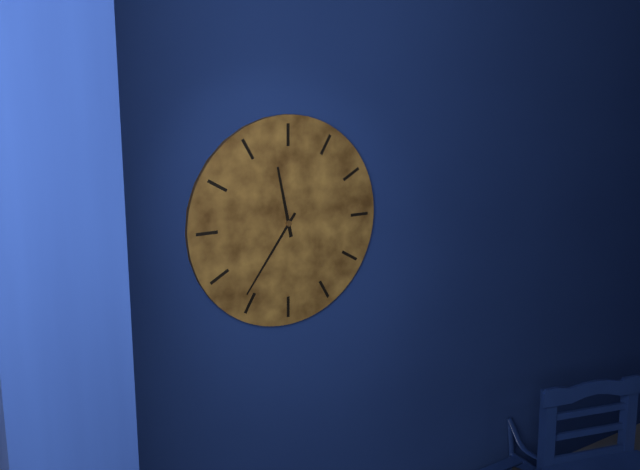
h=11 m=36
